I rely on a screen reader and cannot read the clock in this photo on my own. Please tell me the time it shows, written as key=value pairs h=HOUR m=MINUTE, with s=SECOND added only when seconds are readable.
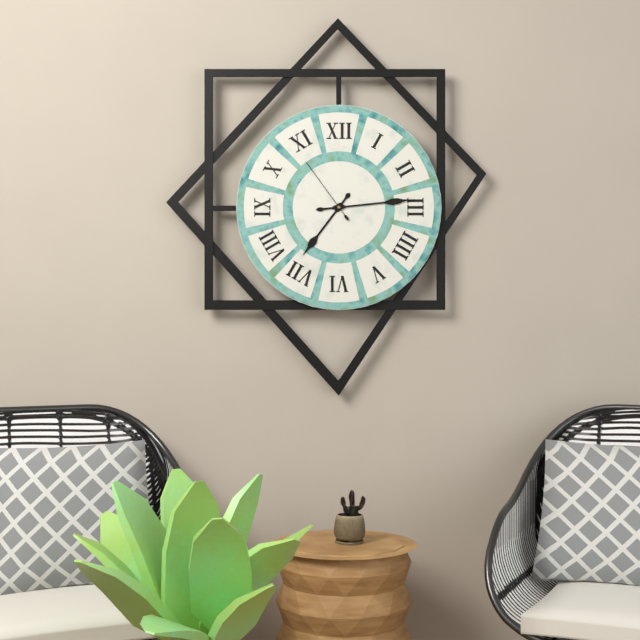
h=7 m=14 s=54
